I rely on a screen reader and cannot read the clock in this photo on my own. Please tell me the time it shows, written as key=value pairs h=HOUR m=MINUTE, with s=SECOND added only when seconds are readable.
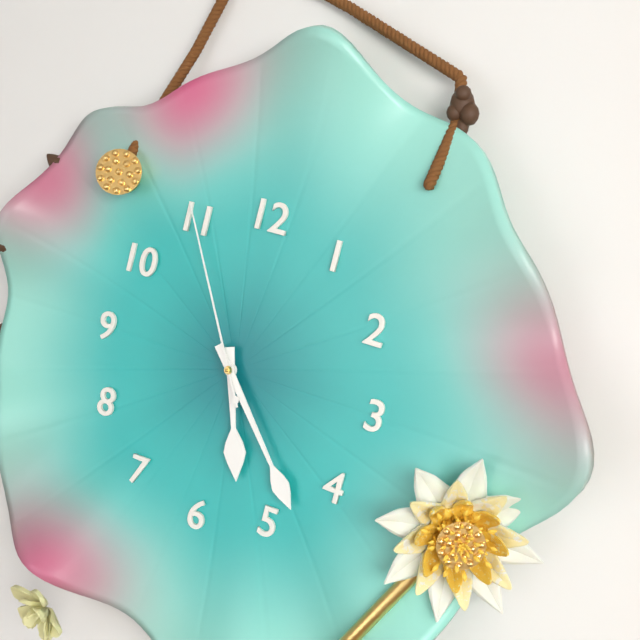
h=5 m=23 s=55
